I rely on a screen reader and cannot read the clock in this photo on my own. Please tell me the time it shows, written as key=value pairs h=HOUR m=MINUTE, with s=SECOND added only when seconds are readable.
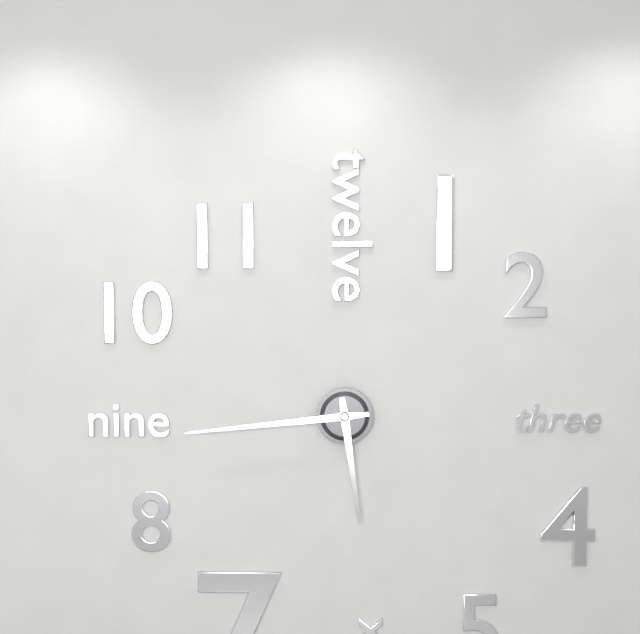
h=5 m=44
